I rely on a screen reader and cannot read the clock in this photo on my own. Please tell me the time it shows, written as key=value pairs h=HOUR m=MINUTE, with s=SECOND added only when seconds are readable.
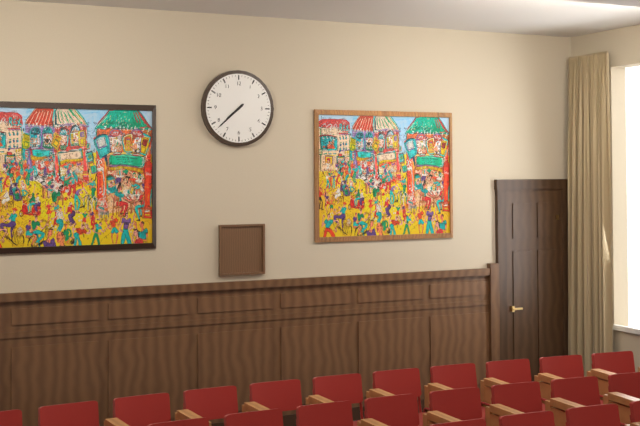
h=7 m=38
